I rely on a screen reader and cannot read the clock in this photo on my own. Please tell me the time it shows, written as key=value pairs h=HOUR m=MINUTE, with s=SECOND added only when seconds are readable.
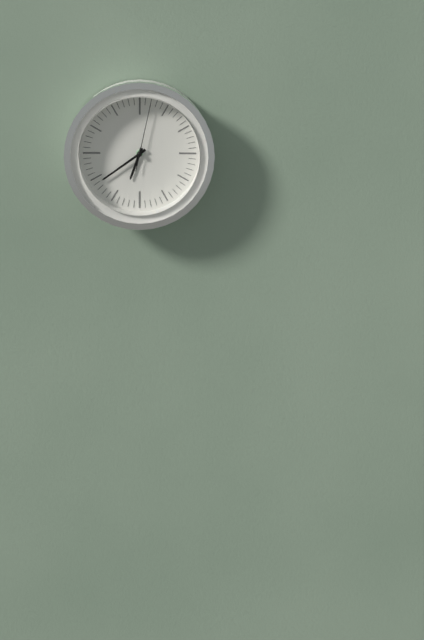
h=6 m=39 s=2
